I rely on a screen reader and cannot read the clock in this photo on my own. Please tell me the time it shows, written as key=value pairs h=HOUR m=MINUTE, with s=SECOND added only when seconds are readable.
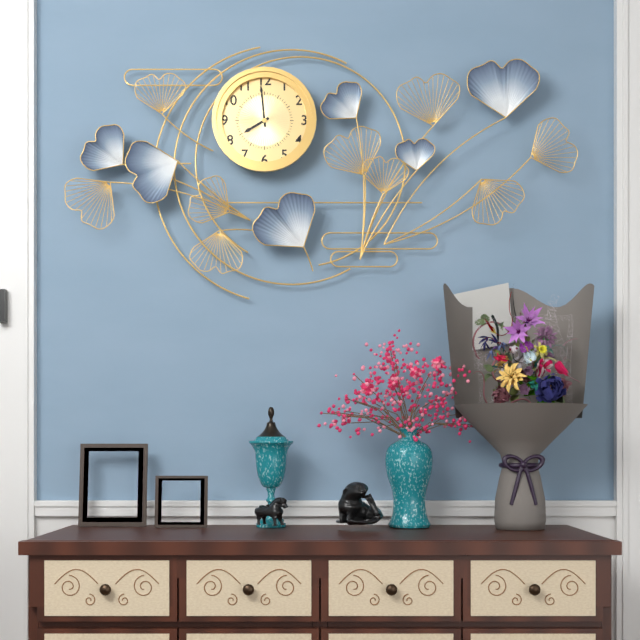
h=7 m=59
